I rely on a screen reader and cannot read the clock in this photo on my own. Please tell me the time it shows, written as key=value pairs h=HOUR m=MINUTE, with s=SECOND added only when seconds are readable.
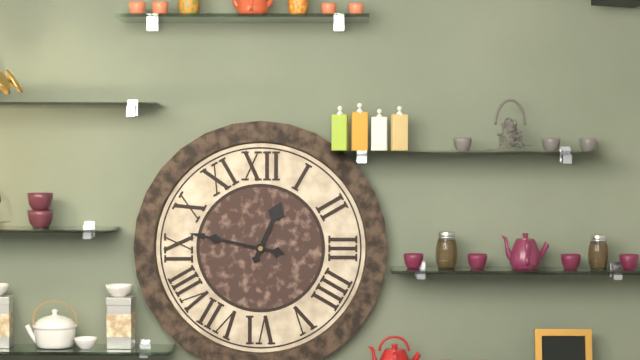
h=12 m=47
